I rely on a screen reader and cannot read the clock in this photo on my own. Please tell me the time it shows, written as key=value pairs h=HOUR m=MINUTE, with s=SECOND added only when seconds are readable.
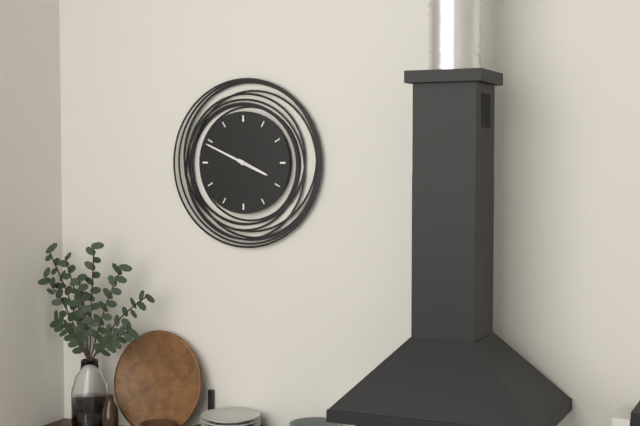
h=3 m=49
